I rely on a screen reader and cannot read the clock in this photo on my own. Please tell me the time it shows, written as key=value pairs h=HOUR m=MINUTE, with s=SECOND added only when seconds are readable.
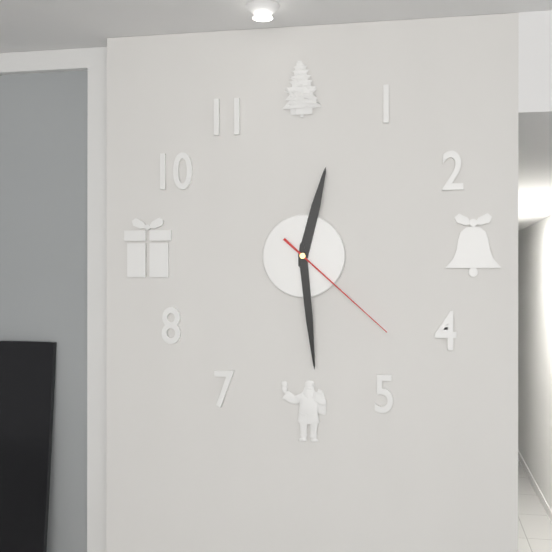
h=12 m=29 s=22
